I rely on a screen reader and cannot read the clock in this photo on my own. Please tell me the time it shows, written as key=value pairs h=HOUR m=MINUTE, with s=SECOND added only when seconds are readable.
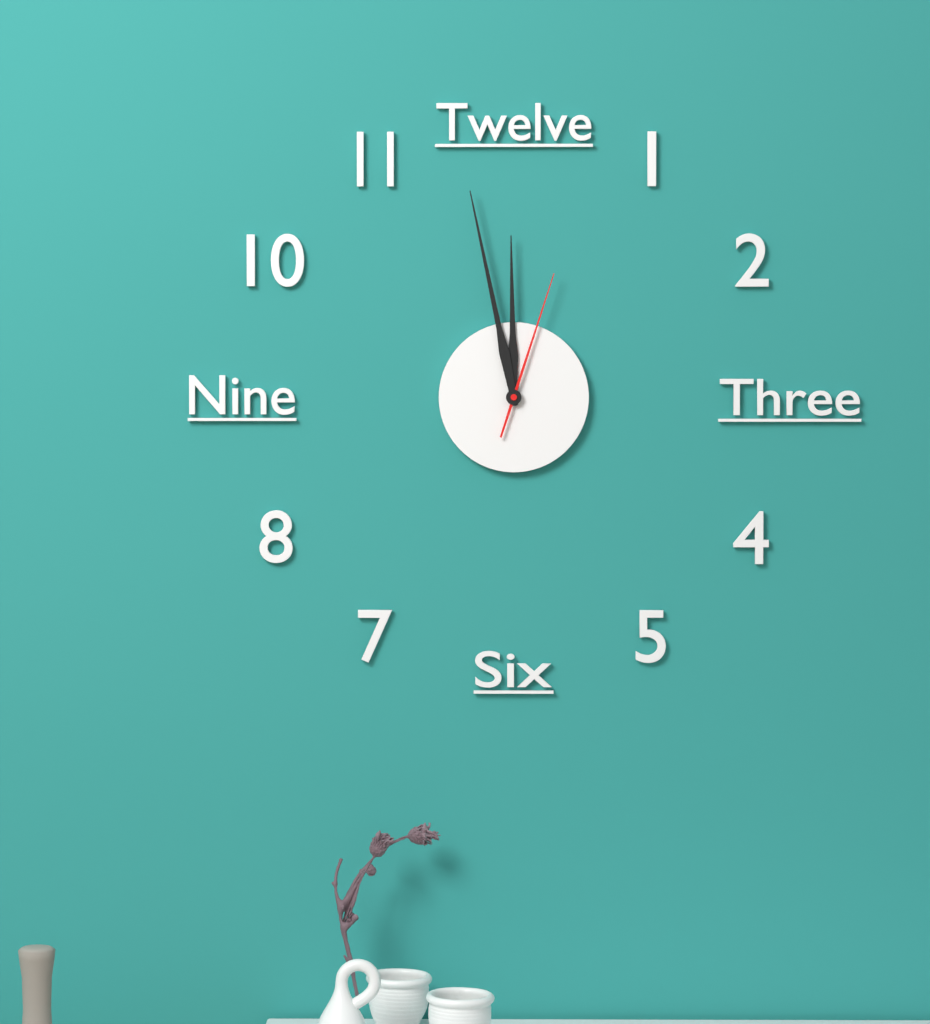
h=11 m=58 s=3
